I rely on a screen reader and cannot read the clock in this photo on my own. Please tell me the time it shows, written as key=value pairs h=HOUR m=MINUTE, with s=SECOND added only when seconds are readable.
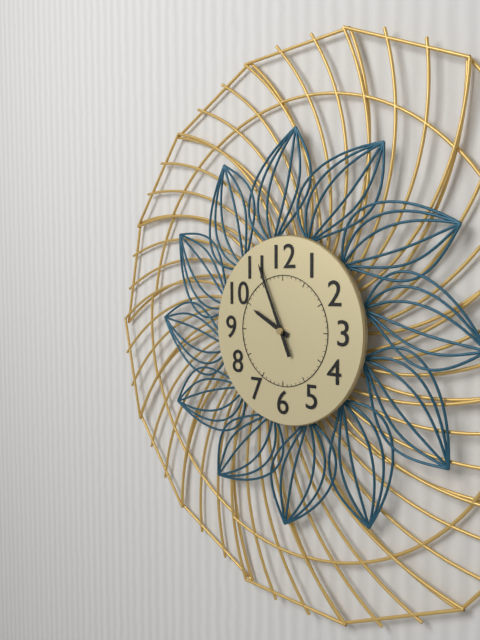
h=9 m=56
